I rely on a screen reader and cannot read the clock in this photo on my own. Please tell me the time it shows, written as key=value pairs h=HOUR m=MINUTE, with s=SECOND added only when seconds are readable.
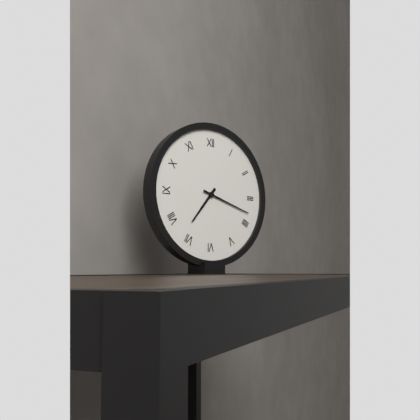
h=7 m=18
